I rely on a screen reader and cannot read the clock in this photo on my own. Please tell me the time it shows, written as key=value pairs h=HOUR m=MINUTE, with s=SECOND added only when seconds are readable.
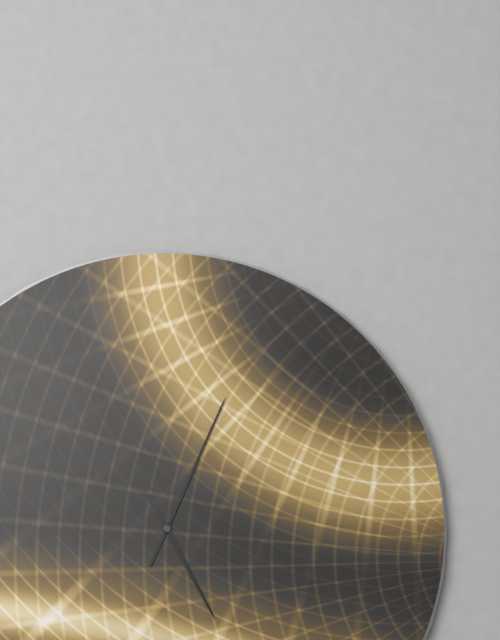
h=5 m=4
